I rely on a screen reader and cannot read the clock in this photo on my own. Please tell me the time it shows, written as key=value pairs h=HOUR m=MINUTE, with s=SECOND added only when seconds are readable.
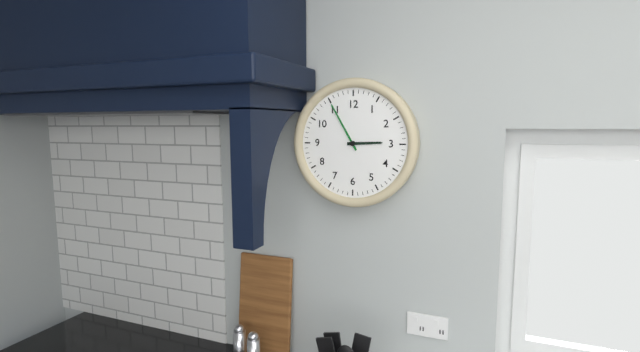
h=2 m=55
